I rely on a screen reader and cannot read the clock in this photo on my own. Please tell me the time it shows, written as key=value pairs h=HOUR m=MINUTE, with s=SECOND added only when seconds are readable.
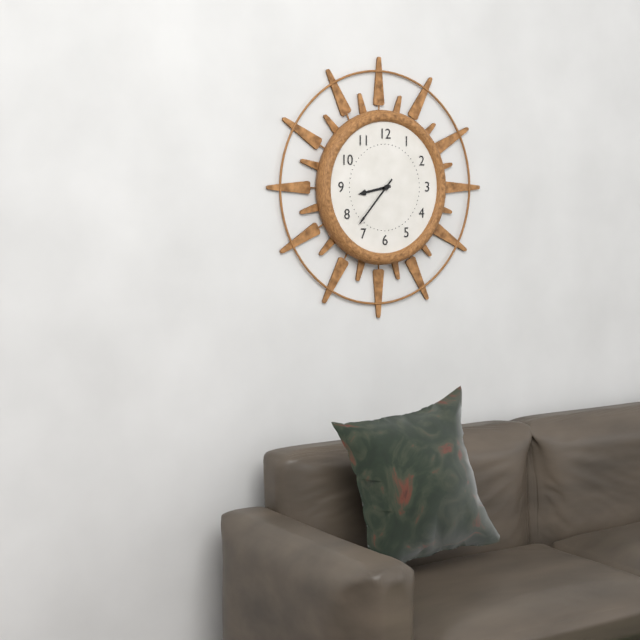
h=8 m=37
